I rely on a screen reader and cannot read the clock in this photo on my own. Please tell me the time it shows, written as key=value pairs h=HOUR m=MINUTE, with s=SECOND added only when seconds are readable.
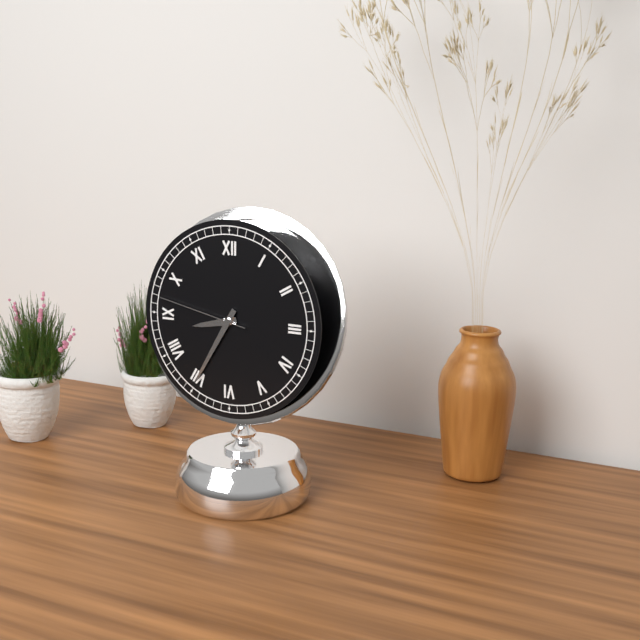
h=8 m=35 s=47
